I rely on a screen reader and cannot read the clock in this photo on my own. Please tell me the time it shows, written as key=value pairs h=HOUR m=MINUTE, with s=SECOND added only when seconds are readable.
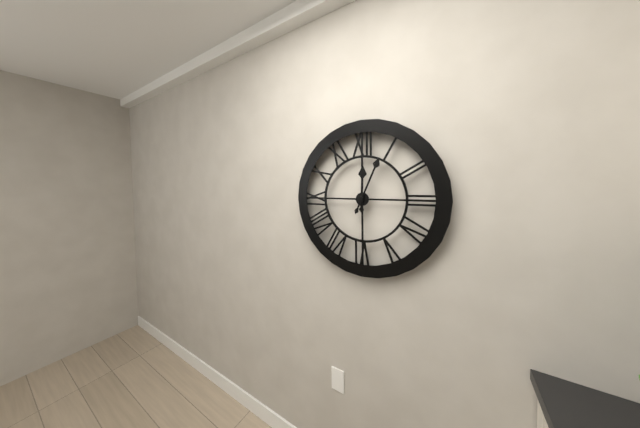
h=12 m=4
